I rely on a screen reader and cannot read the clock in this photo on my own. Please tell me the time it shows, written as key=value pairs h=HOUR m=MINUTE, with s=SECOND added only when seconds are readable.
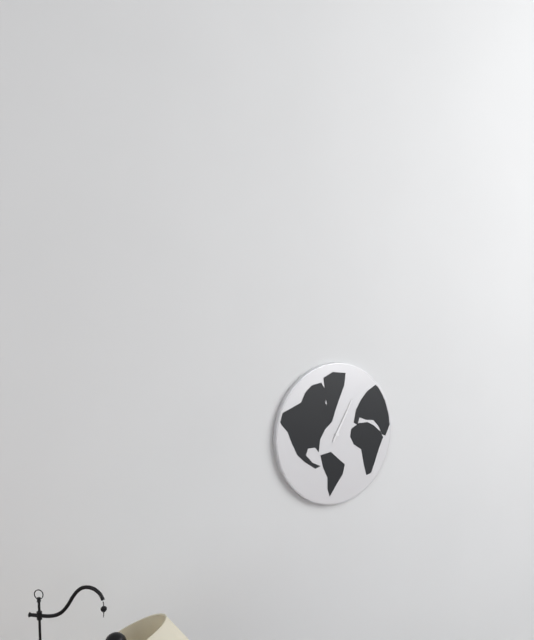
h=1 m=5
